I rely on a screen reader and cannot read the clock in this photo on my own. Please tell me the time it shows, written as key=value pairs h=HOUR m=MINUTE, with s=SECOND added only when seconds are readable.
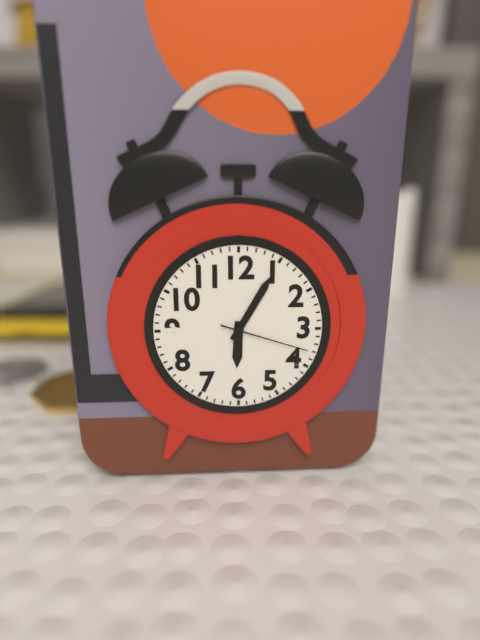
h=6 m=5 s=18
